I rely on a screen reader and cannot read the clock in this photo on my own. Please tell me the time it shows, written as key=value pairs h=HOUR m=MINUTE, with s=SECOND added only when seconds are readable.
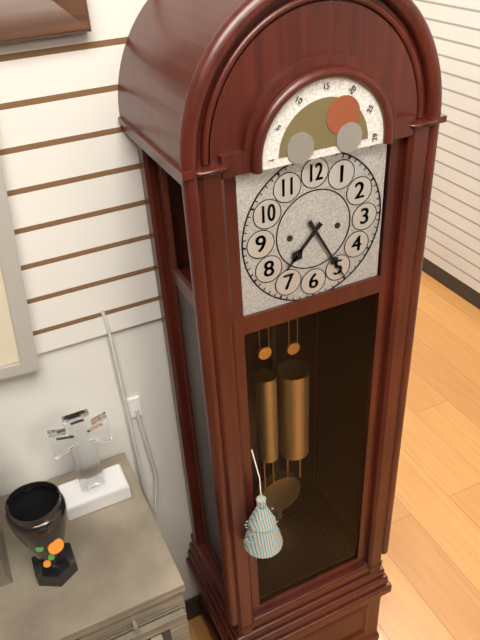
h=7 m=25
